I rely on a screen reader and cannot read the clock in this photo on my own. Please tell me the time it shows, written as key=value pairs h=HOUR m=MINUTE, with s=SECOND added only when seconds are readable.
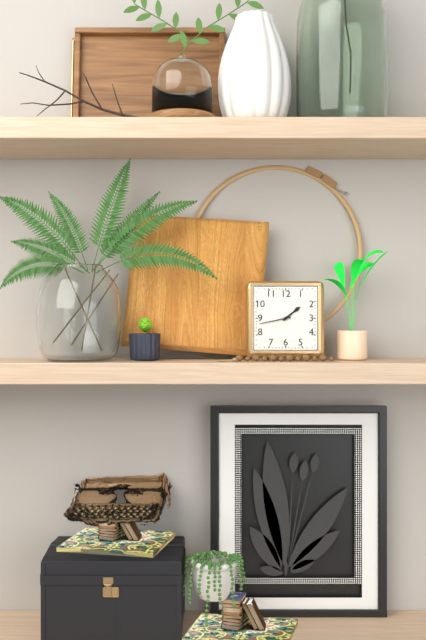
h=1 m=43
